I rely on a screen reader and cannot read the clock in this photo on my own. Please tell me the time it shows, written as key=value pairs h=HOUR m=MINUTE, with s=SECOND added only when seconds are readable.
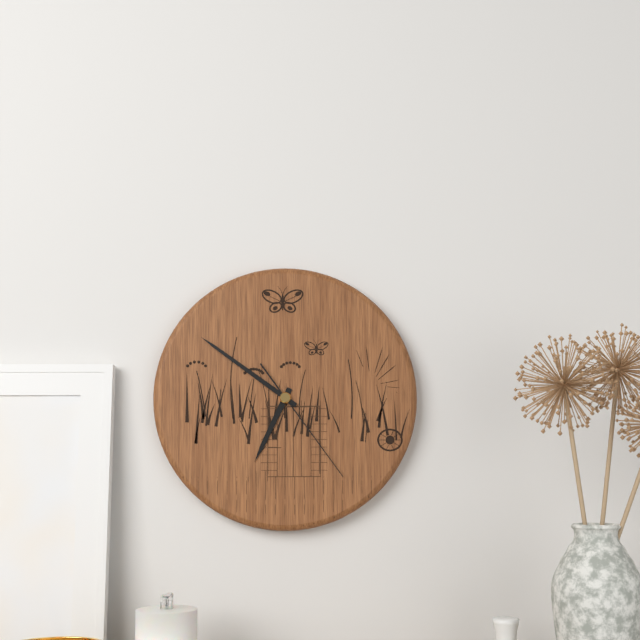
h=6 m=51 s=24
